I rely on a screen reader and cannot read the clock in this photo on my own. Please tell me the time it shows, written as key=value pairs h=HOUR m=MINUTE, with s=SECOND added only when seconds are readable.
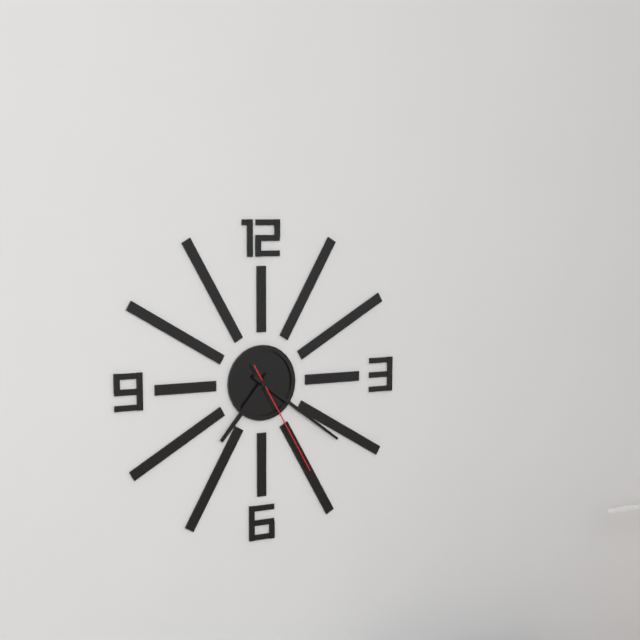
h=7 m=21 s=25
